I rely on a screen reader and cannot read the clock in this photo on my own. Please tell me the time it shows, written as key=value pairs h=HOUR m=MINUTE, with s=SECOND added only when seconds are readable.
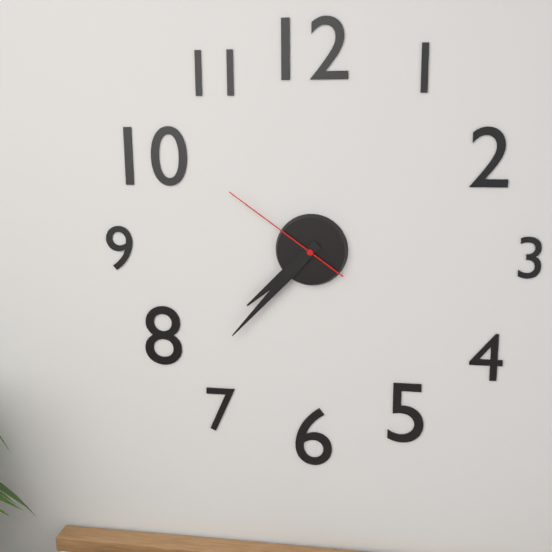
h=7 m=37 s=51
